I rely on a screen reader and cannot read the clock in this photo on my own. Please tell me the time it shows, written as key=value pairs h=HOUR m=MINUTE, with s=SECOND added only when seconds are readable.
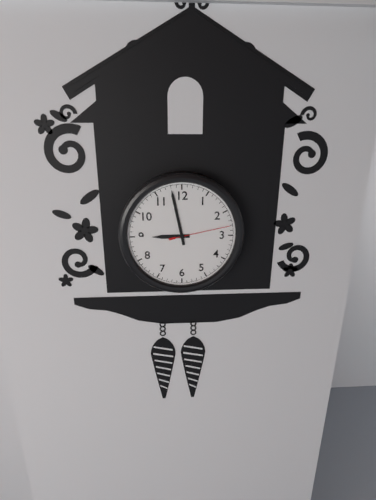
h=8 m=58 s=13
